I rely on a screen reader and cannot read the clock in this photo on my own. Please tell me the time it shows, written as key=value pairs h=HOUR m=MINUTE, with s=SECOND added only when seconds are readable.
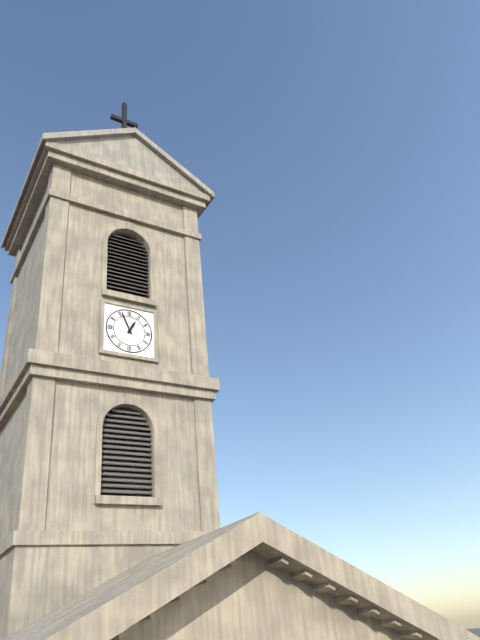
h=12 m=56
